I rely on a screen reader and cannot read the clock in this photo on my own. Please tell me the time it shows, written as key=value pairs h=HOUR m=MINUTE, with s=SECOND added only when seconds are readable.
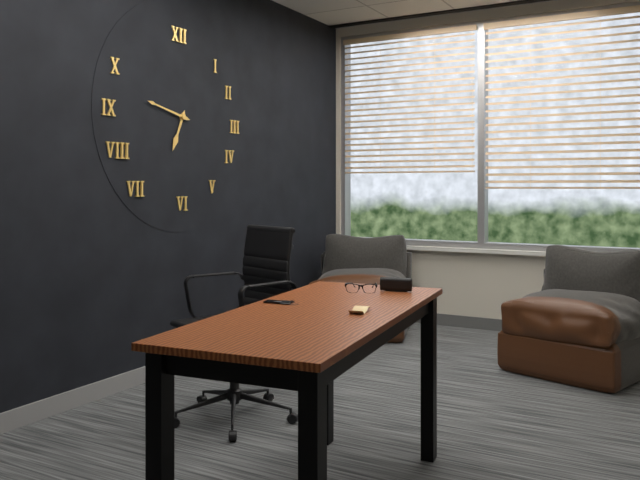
h=6 m=47
